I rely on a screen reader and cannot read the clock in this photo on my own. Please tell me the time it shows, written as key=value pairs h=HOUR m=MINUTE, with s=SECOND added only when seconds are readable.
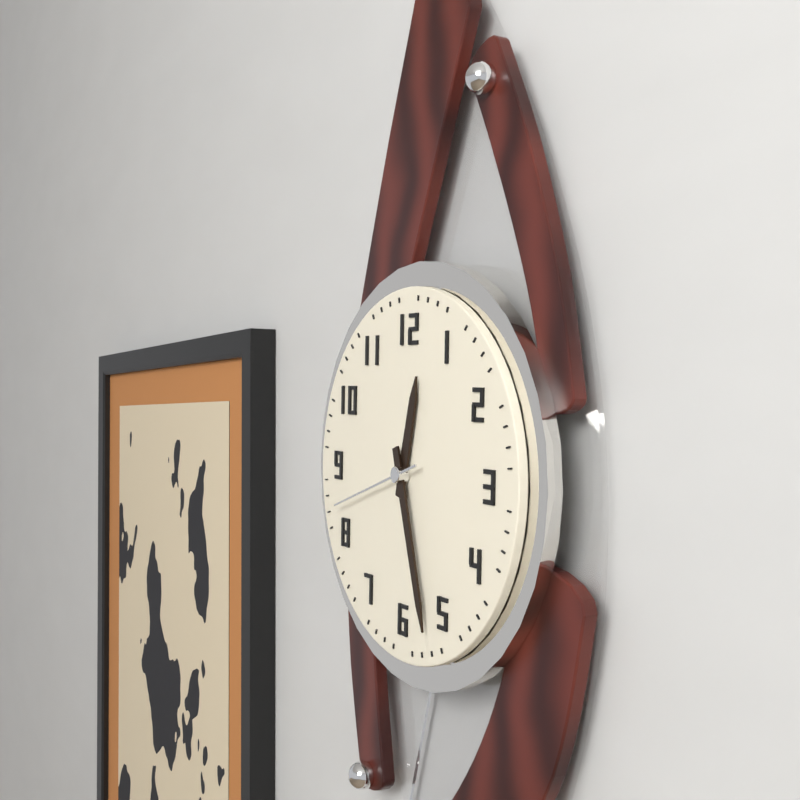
h=12 m=27 s=42
